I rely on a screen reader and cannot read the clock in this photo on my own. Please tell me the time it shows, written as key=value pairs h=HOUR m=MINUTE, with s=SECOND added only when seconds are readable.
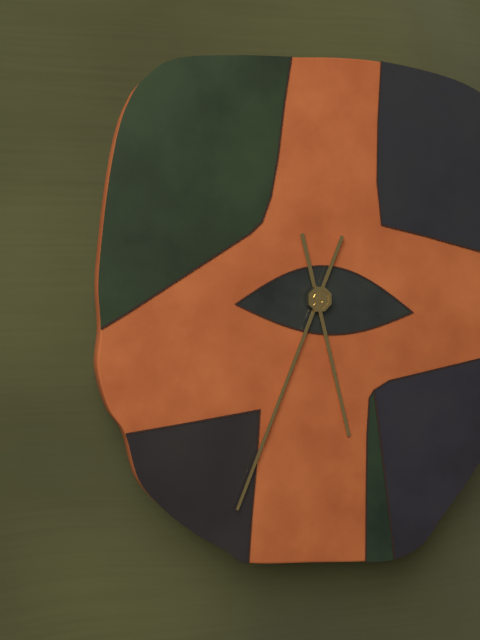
h=5 m=34
